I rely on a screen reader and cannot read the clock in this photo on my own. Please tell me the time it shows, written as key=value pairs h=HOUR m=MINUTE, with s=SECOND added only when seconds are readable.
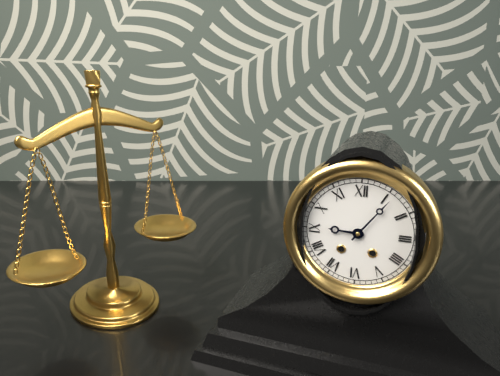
h=9 m=6
